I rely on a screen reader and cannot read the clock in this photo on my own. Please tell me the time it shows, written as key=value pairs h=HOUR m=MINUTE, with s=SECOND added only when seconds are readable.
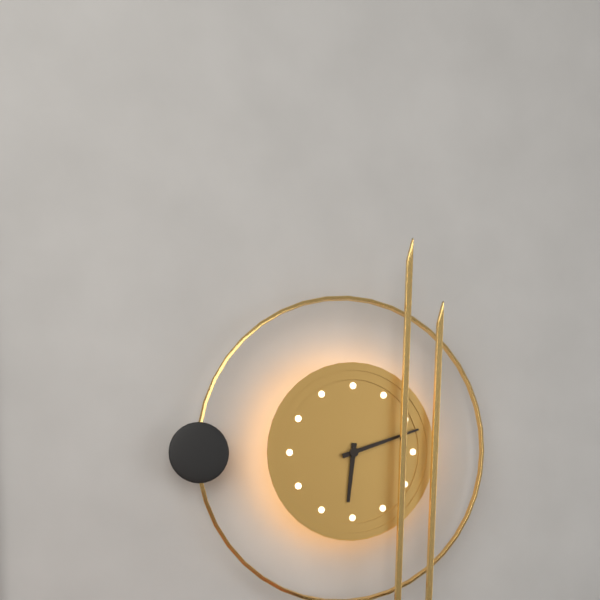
h=6 m=12
